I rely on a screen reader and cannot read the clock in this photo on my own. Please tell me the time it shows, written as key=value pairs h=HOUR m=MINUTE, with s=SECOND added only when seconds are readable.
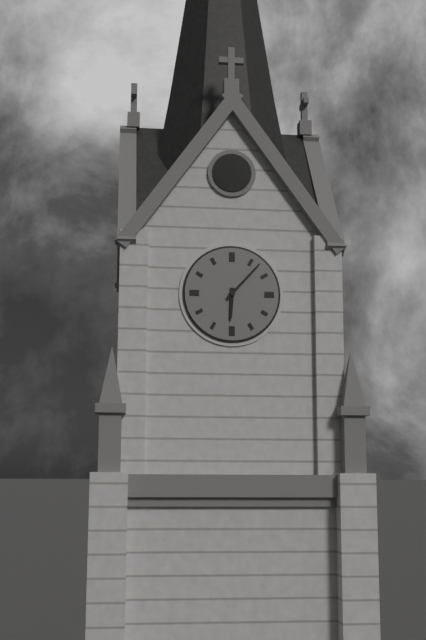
h=6 m=7
